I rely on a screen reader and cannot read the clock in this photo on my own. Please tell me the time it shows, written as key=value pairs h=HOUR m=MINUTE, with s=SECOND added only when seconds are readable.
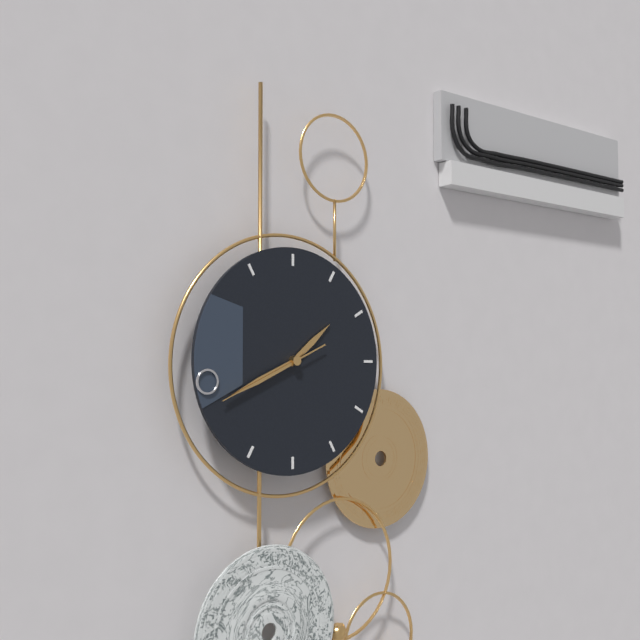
h=1 m=41 s=41
